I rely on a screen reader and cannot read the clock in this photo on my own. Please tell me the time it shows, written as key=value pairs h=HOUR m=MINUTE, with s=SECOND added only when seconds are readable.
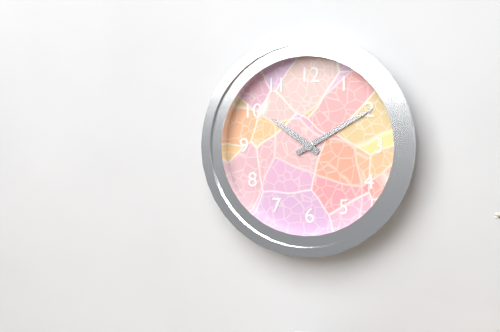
h=10 m=10
